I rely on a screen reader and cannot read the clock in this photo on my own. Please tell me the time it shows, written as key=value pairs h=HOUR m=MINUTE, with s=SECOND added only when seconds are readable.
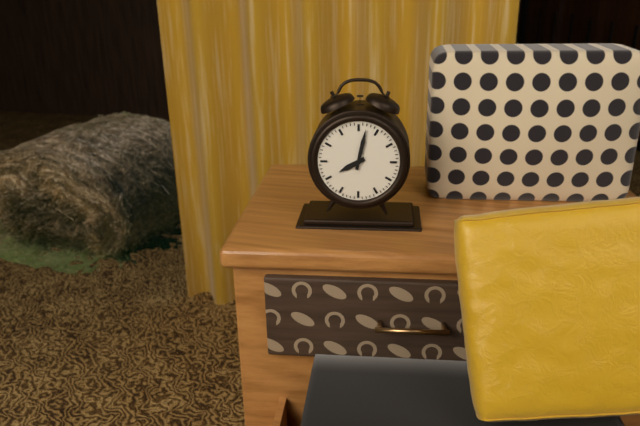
h=8 m=2
